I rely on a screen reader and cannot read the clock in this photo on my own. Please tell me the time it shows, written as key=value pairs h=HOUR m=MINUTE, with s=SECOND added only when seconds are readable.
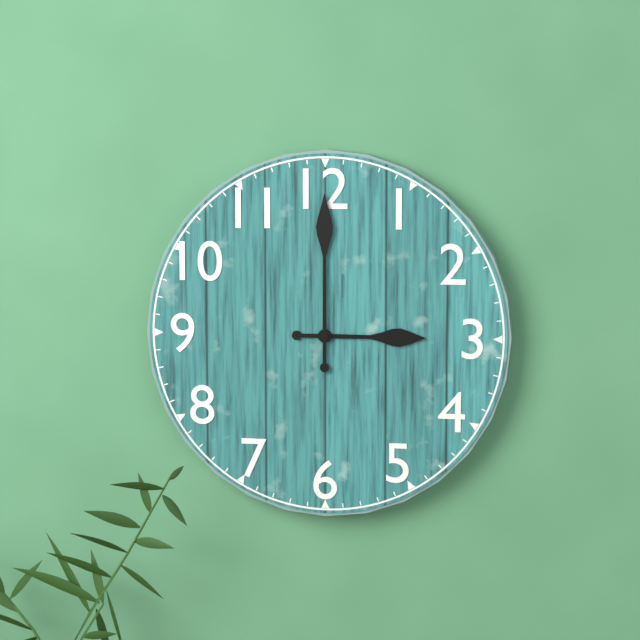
h=3 m=0
